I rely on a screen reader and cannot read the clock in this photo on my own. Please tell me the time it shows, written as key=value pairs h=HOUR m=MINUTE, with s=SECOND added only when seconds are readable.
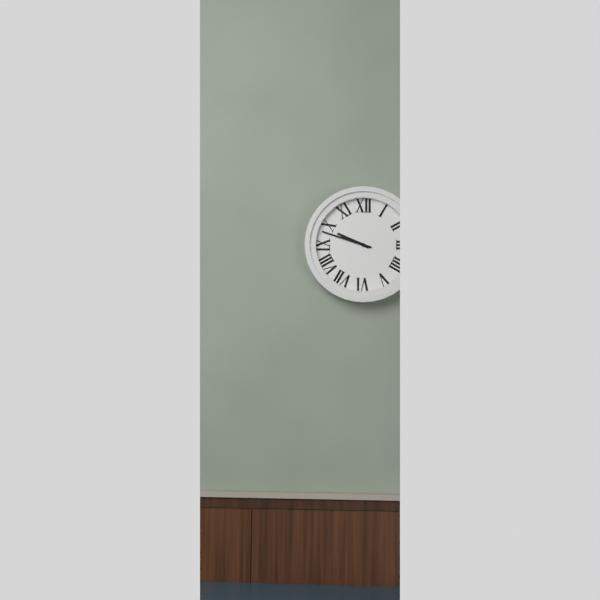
h=9 m=48
